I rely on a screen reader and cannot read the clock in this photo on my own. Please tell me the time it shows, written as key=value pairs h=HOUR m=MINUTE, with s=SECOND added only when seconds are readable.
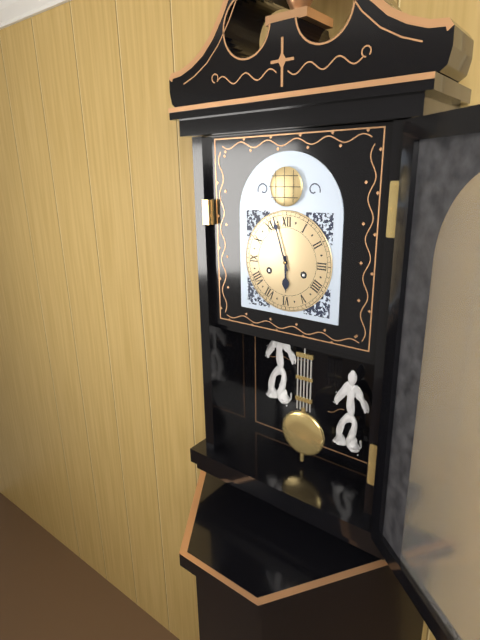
h=5 m=57
